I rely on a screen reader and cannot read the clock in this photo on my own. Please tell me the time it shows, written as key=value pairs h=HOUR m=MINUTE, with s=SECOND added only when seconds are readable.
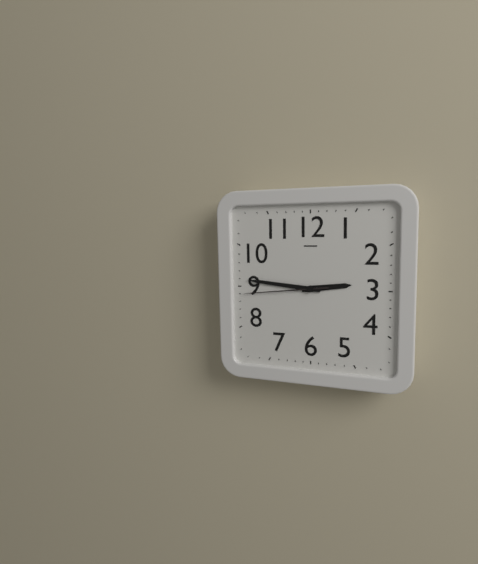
h=2 m=46 s=44
